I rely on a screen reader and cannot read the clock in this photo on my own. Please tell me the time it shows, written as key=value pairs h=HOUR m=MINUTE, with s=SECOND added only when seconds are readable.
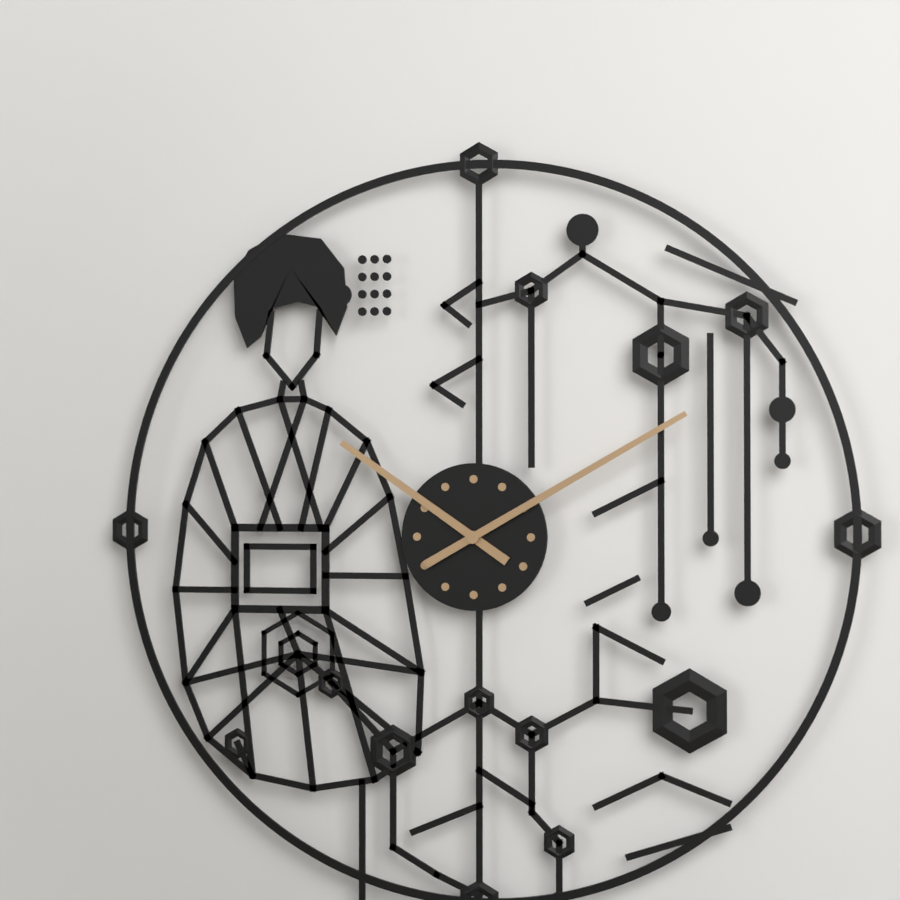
h=10 m=10
